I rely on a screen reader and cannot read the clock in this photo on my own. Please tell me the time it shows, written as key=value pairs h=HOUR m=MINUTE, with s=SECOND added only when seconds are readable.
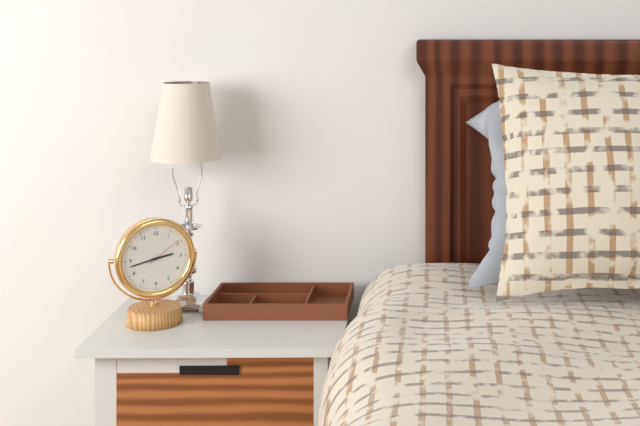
h=2 m=43
